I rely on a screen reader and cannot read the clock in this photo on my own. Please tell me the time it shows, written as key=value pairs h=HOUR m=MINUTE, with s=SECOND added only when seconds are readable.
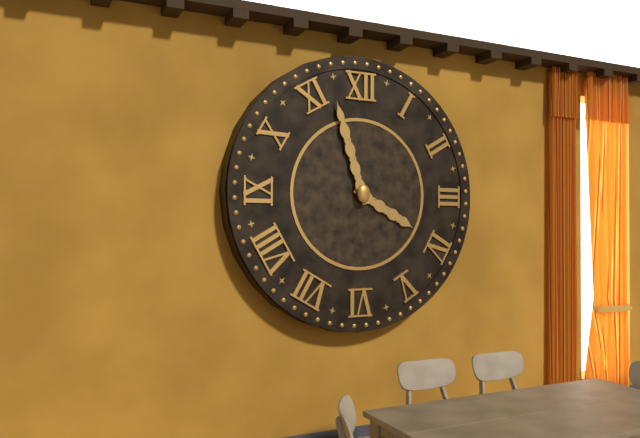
h=3 m=57
